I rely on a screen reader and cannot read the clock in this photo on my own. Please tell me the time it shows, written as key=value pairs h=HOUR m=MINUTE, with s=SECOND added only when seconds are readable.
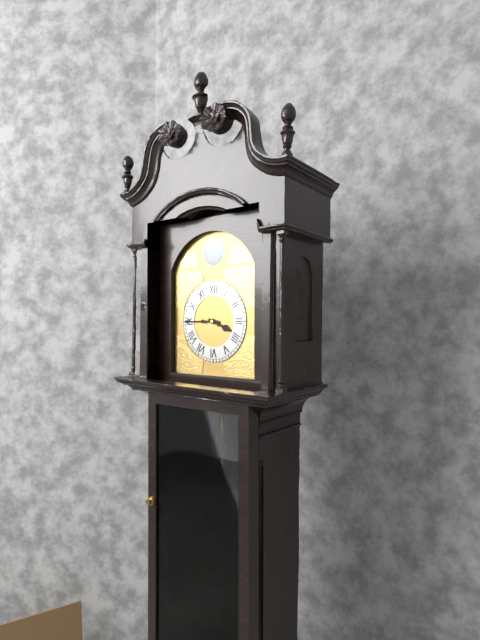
h=3 m=45
